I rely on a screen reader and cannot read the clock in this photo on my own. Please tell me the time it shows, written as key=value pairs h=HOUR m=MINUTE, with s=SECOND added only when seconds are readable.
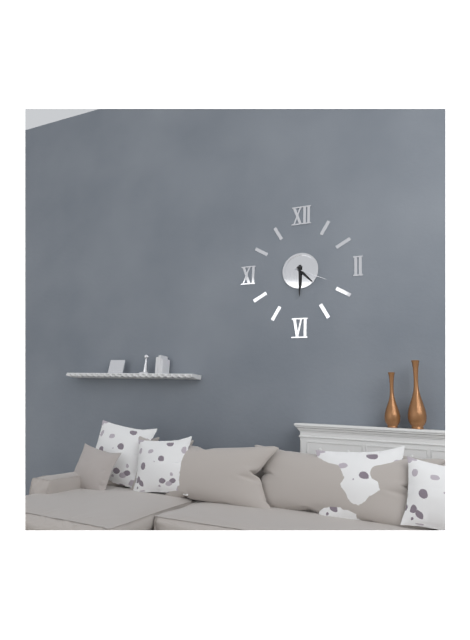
h=4 m=30
